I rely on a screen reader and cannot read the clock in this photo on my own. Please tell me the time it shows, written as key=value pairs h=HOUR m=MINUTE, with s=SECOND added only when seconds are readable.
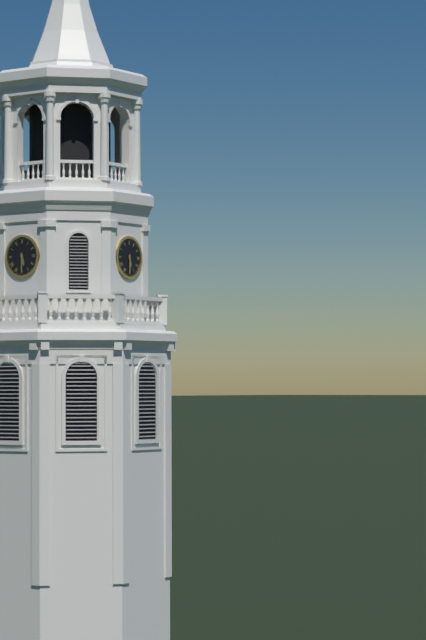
h=5 m=30
